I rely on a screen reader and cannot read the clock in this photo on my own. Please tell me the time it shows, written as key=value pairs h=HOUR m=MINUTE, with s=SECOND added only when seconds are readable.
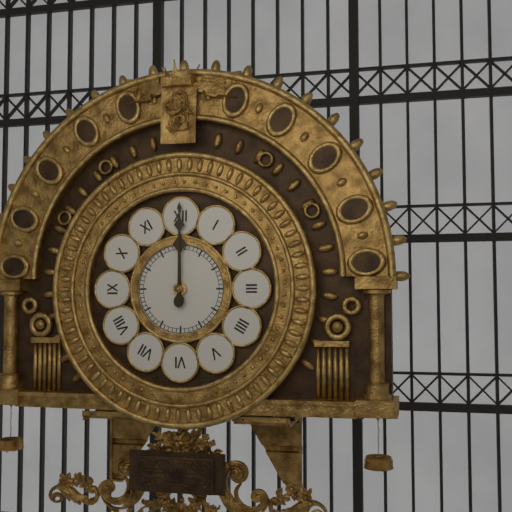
h=12 m=0
